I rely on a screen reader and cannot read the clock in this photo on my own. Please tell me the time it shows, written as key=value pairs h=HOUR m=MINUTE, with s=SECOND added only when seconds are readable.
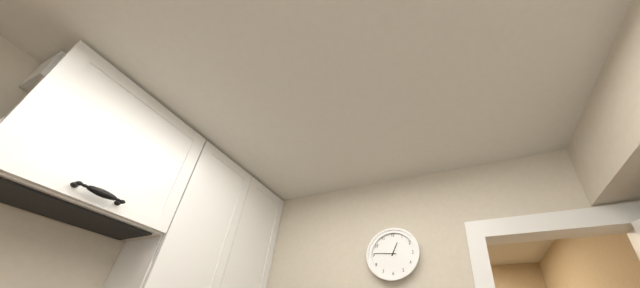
h=12 m=46
